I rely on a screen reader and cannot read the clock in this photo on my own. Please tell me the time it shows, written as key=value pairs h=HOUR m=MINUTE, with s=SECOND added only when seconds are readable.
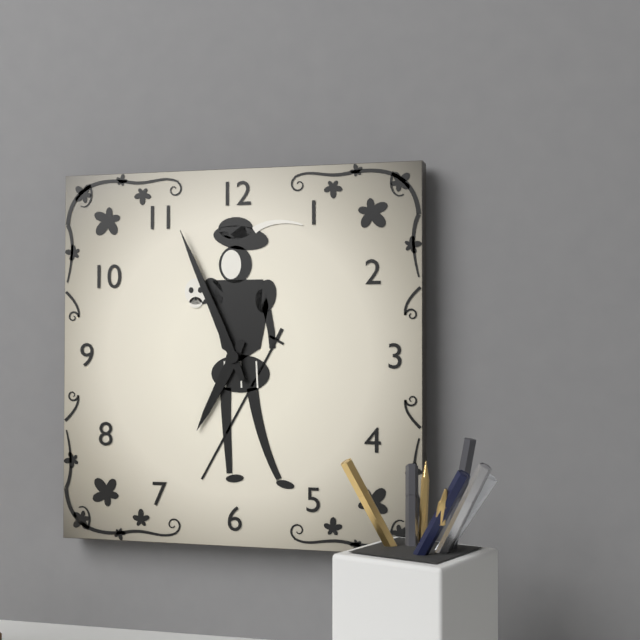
h=6 m=56
